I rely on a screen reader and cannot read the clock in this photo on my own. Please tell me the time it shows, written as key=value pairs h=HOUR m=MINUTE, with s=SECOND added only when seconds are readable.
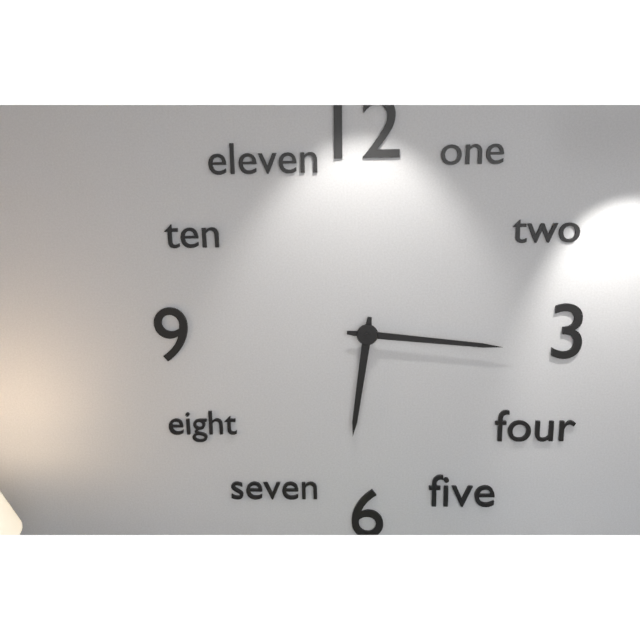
h=6 m=16
